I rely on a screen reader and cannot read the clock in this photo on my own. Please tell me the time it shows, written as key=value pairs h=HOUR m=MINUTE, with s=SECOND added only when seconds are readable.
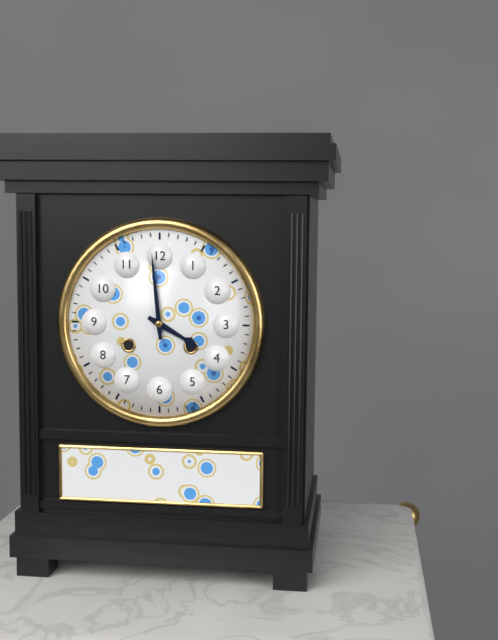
h=3 m=59
